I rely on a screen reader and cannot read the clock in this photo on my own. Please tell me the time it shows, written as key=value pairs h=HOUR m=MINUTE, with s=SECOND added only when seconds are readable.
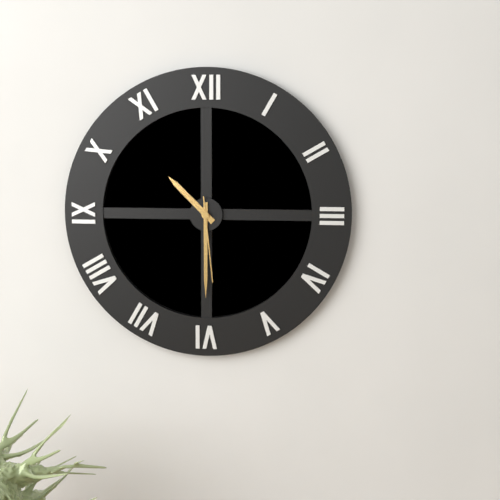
h=10 m=30 s=29
